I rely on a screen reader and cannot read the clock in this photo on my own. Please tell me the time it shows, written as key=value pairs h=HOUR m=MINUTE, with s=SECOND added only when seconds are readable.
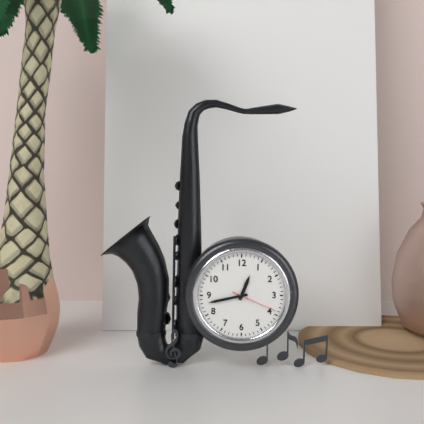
h=12 m=43
